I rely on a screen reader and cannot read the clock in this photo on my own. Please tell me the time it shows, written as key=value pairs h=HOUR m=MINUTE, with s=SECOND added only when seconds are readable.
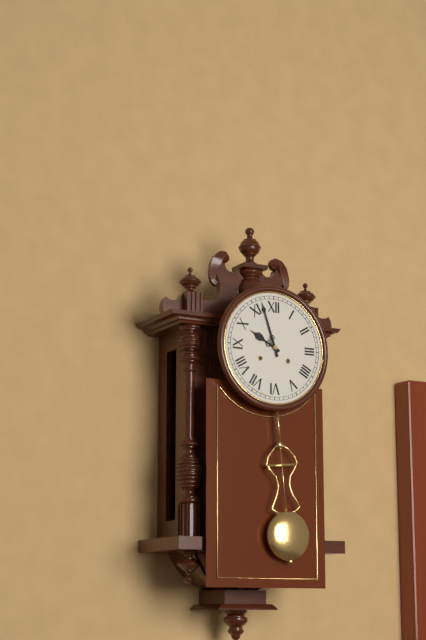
h=9 m=57
